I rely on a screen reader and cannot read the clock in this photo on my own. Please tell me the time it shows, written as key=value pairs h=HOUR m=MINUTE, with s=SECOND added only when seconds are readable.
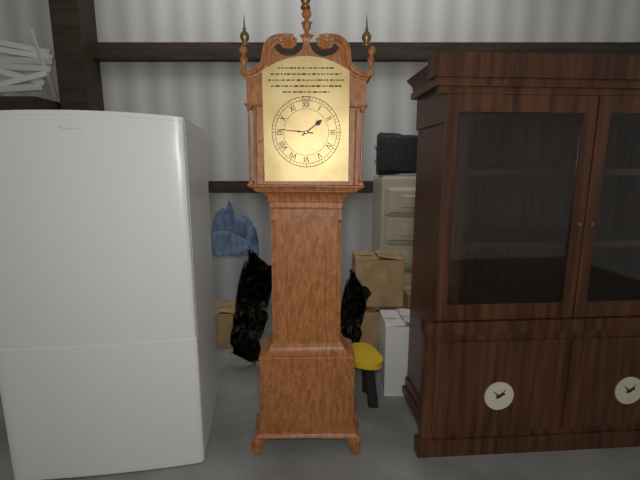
h=1 m=46
